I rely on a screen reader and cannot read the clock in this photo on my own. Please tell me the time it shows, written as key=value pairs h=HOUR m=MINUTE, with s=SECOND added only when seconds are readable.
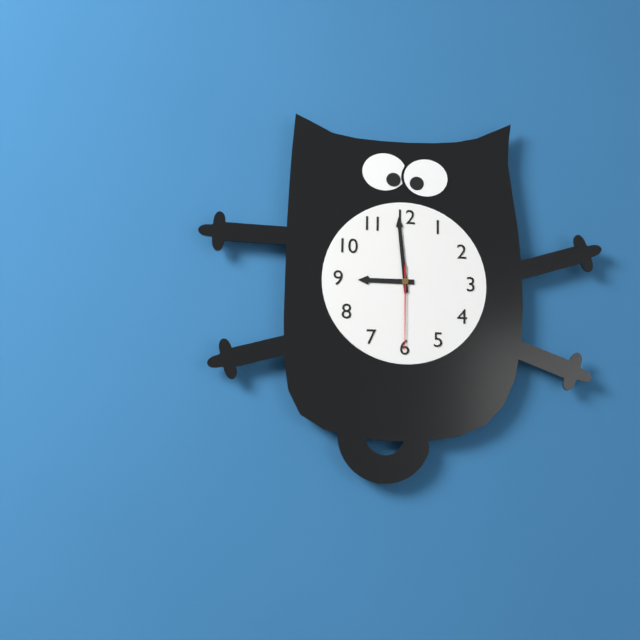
h=8 m=59 s=30
